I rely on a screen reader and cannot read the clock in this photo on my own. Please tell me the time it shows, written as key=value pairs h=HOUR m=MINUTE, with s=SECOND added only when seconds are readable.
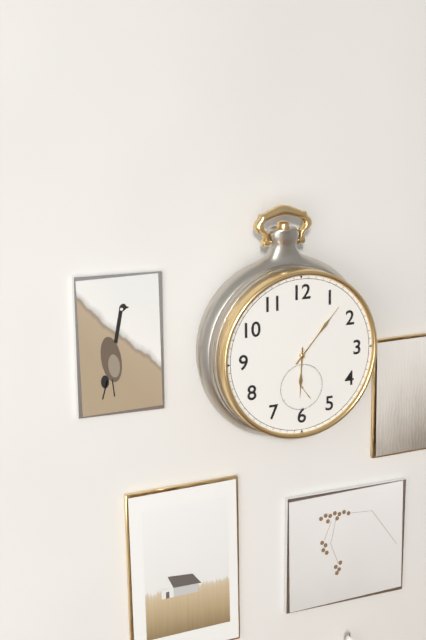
h=6 m=7
